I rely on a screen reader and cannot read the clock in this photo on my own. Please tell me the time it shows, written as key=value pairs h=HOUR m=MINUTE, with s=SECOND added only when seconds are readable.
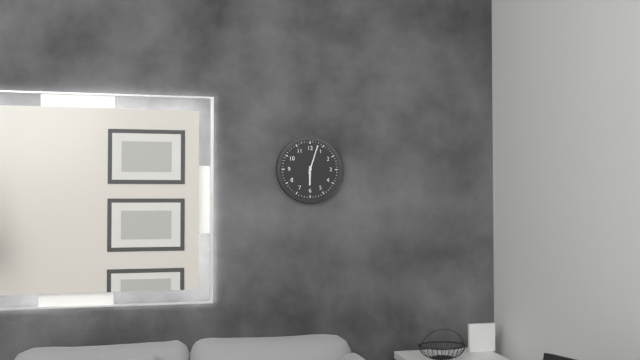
h=6 m=3
